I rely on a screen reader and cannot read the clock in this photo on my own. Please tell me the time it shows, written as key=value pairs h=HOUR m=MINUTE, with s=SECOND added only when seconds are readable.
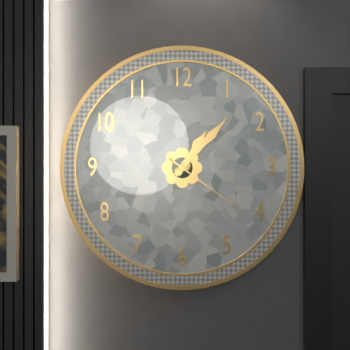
h=1 m=7 s=21
